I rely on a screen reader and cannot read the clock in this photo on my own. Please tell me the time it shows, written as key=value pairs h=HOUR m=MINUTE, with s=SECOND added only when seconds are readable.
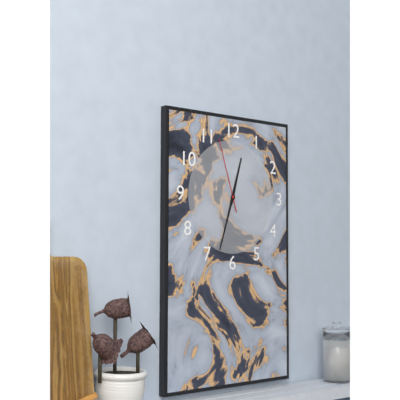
h=12 m=33 s=57
